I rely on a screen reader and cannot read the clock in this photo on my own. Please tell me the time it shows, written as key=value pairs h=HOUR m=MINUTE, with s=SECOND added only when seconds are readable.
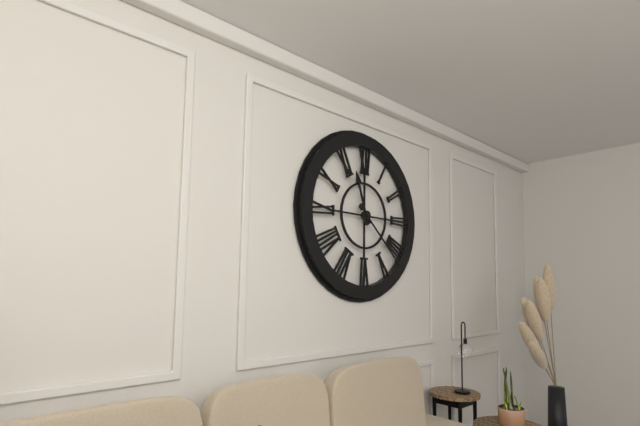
h=11 m=22
